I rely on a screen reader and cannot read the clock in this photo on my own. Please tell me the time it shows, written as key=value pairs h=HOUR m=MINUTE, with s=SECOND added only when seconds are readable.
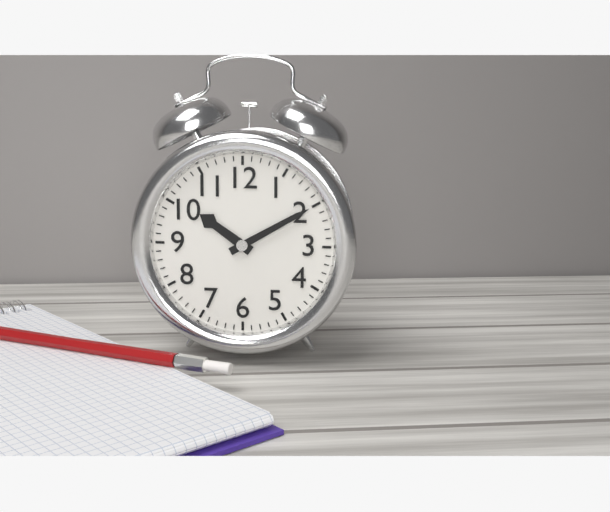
h=10 m=10
